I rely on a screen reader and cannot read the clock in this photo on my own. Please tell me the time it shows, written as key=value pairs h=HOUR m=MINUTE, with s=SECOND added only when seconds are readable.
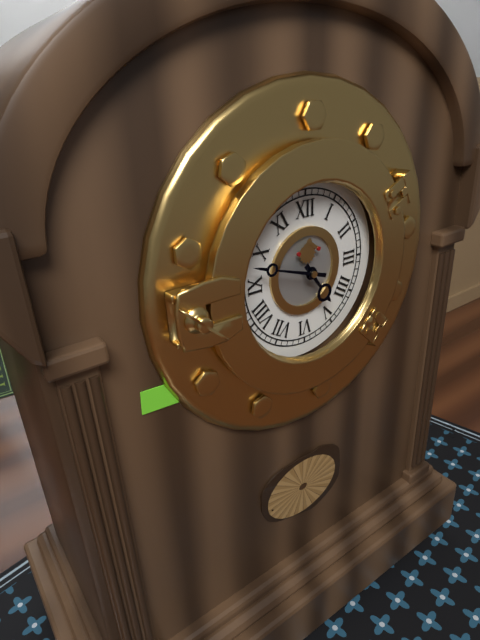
h=4 m=48
